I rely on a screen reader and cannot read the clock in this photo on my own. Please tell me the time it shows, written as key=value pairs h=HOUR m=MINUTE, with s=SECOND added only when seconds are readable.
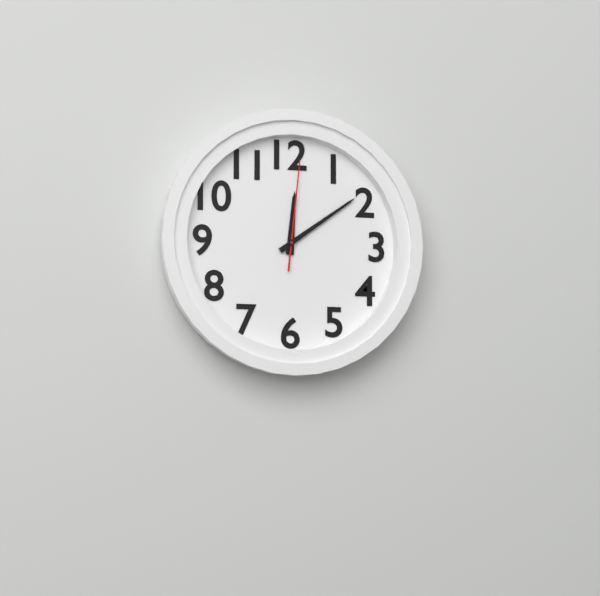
h=12 m=9 s=1
